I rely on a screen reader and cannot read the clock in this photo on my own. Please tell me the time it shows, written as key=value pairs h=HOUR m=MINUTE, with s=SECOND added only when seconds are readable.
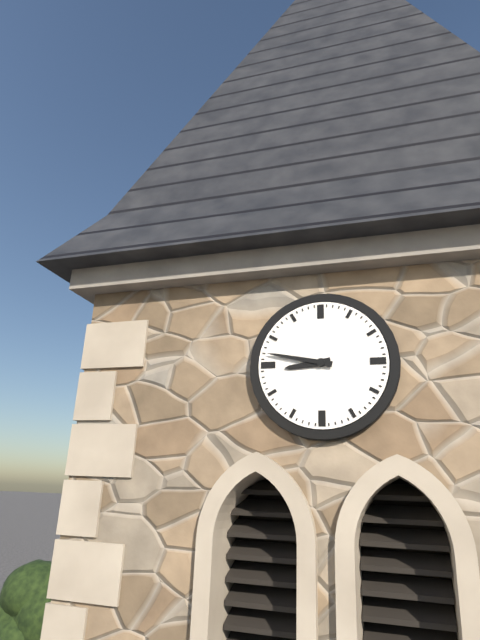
h=8 m=47
